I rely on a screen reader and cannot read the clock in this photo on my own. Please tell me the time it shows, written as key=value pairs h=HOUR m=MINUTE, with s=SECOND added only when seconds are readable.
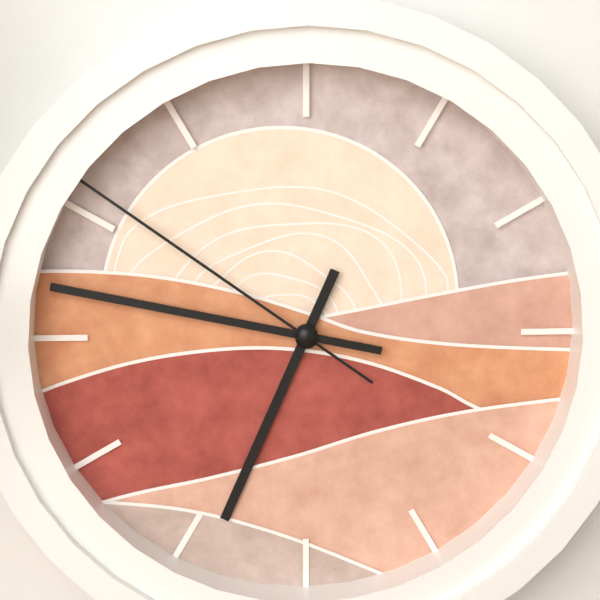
h=6 m=47 s=51
